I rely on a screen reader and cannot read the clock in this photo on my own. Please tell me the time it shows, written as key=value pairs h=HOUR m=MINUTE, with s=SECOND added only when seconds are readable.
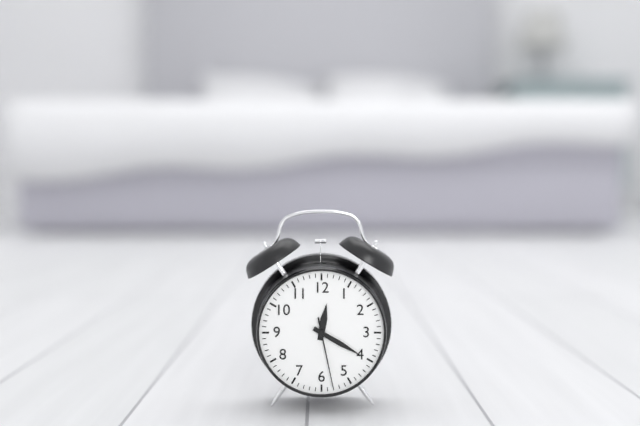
h=12 m=20 s=28
